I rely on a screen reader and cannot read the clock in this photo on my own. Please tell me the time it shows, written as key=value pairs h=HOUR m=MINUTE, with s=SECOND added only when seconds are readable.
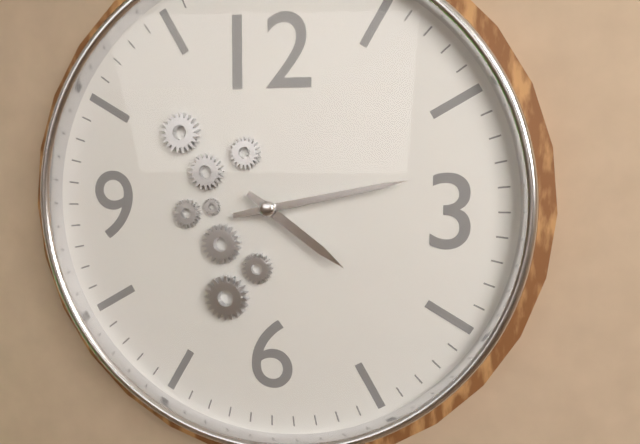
h=4 m=13
